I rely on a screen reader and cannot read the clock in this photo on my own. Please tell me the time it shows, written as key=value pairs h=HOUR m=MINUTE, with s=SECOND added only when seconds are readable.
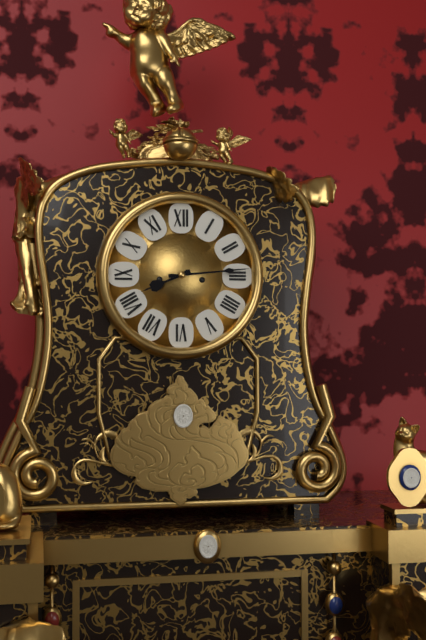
h=8 m=14
